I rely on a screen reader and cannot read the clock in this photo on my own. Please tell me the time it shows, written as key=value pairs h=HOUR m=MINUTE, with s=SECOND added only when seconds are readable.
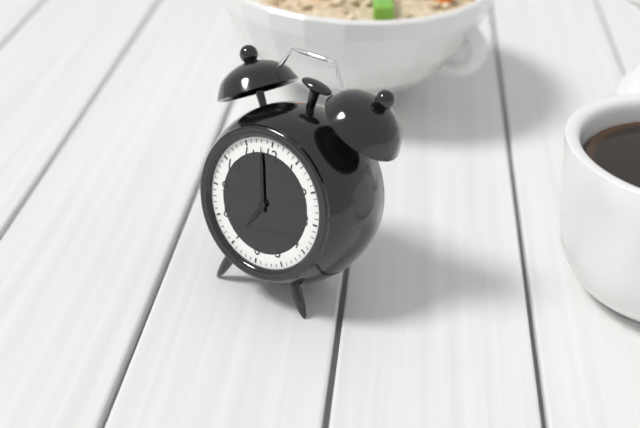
h=6 m=58
